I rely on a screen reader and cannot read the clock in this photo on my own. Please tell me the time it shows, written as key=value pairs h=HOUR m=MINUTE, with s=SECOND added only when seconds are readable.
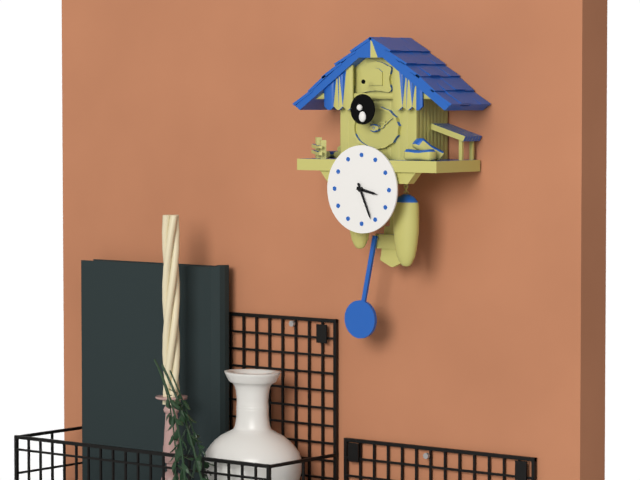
h=3 m=26
